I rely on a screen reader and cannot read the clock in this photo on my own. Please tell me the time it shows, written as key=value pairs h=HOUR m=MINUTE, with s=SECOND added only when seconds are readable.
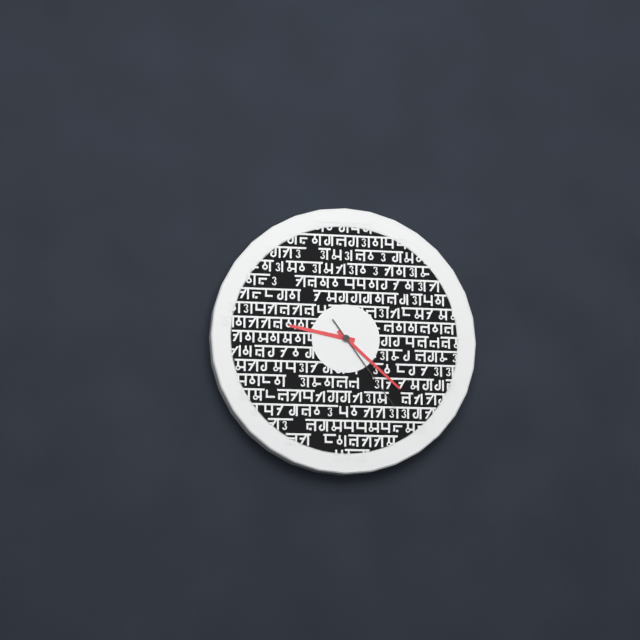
h=9 m=22 s=24
